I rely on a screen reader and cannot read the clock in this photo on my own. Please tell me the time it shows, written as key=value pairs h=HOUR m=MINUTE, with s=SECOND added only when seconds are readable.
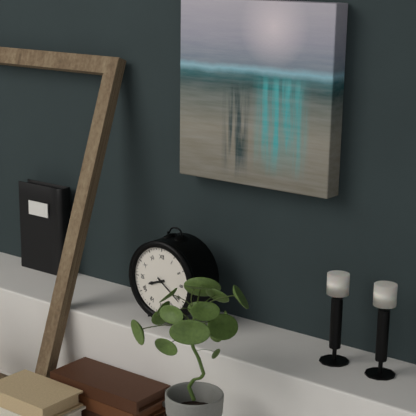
h=8 m=21
